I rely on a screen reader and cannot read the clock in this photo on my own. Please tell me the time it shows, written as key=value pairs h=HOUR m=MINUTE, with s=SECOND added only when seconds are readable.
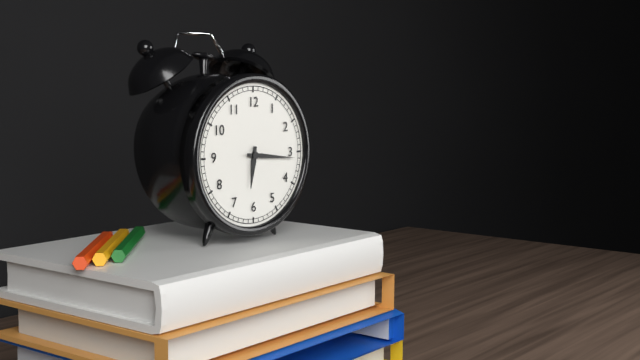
h=6 m=16
